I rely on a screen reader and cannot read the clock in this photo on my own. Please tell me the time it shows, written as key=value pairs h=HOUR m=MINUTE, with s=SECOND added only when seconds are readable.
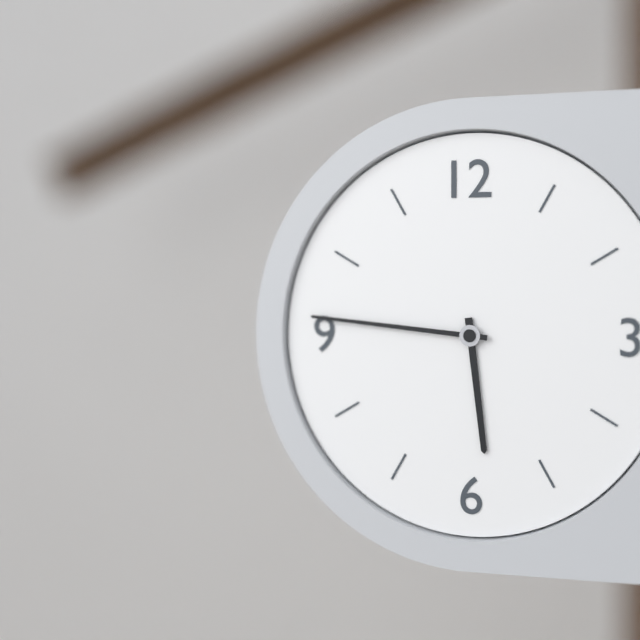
h=5 m=46
